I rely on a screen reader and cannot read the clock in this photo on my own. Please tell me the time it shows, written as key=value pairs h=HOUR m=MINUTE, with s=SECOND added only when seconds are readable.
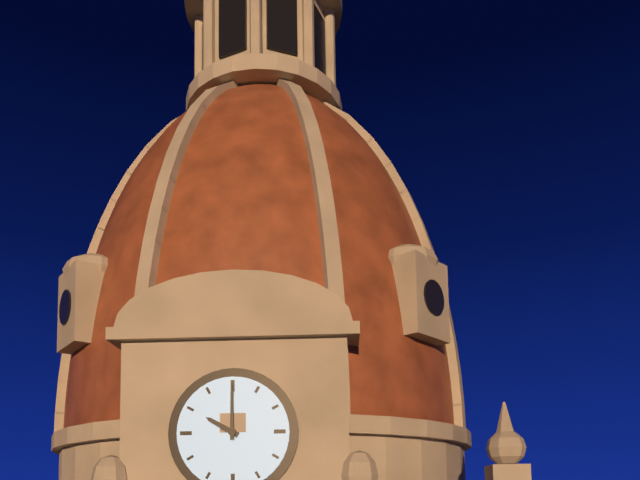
h=10 m=0
